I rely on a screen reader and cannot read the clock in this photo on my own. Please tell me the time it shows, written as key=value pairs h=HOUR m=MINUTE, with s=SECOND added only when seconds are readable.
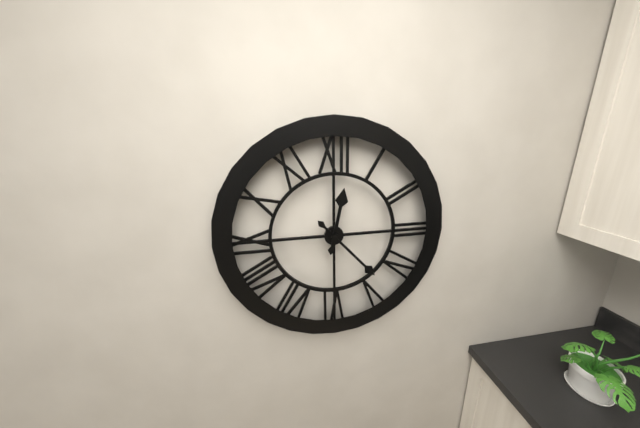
h=12 m=23
